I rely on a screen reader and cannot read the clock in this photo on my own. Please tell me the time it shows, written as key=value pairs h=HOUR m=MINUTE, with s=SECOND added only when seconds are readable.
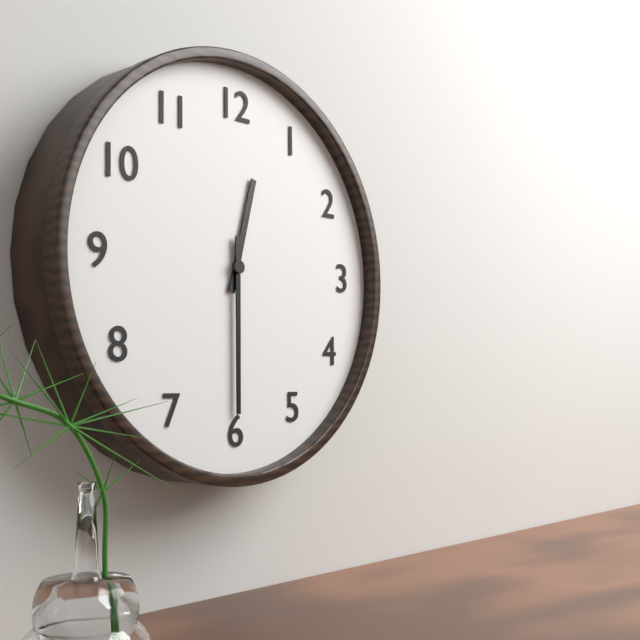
h=12 m=30
